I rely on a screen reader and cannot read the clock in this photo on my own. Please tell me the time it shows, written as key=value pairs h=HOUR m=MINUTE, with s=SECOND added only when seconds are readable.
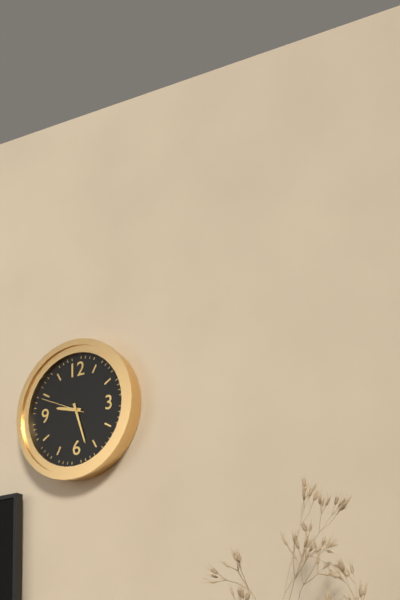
h=9 m=27
